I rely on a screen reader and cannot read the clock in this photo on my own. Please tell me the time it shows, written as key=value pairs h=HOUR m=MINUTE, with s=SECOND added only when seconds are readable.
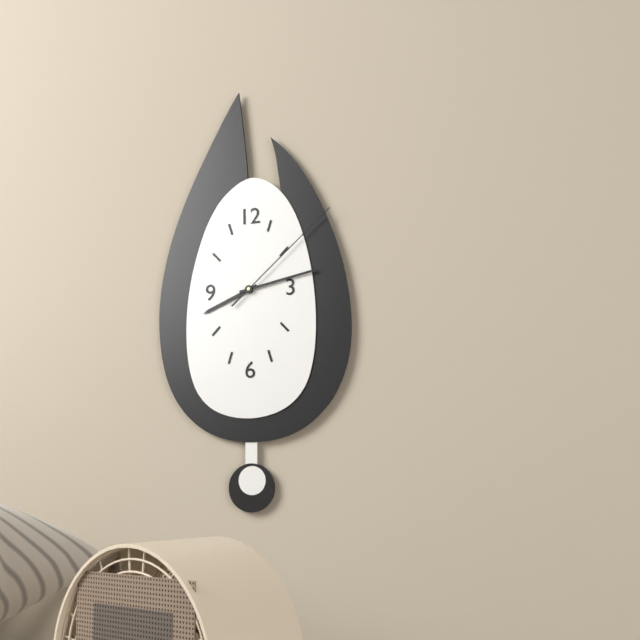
h=8 m=13 s=8
